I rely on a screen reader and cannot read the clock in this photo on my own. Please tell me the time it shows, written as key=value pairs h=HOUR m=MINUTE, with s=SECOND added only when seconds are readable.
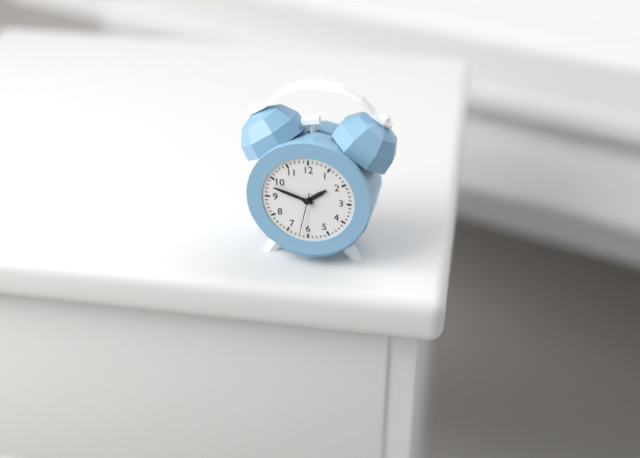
h=1 m=48
